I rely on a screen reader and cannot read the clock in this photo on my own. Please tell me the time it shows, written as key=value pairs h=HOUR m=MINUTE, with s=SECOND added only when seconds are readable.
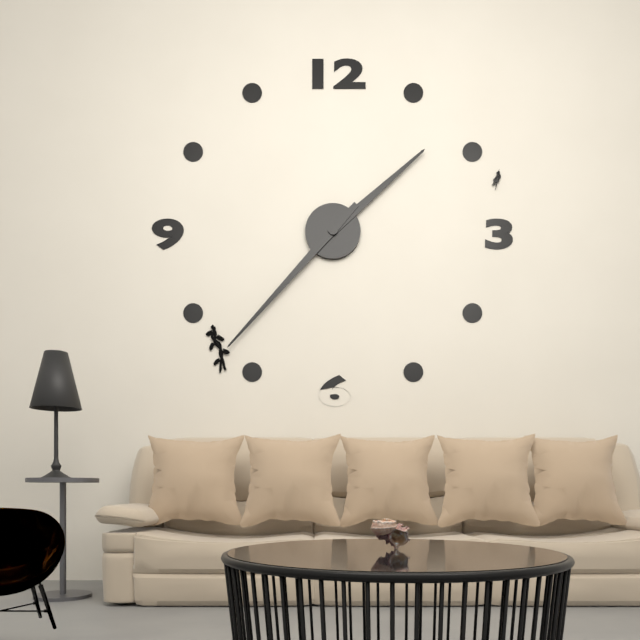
h=1 m=37
